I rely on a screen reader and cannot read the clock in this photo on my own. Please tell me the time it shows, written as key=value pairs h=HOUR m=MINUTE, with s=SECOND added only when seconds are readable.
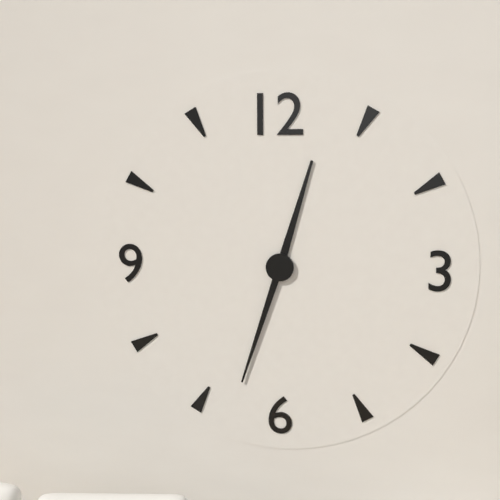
h=12 m=33
